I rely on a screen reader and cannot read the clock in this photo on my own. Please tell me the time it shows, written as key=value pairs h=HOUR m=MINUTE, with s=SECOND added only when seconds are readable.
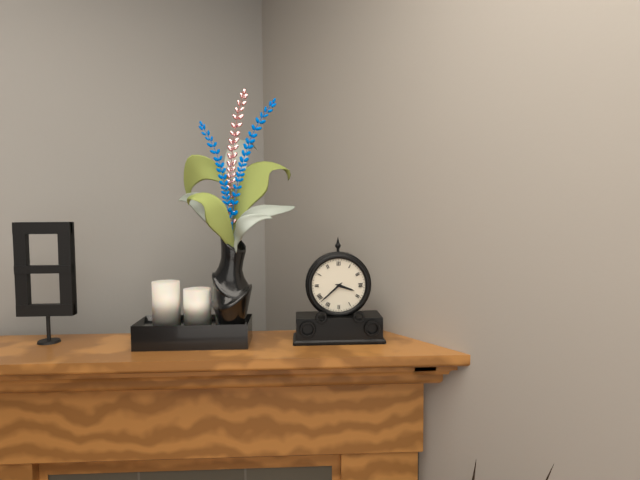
h=3 m=38
